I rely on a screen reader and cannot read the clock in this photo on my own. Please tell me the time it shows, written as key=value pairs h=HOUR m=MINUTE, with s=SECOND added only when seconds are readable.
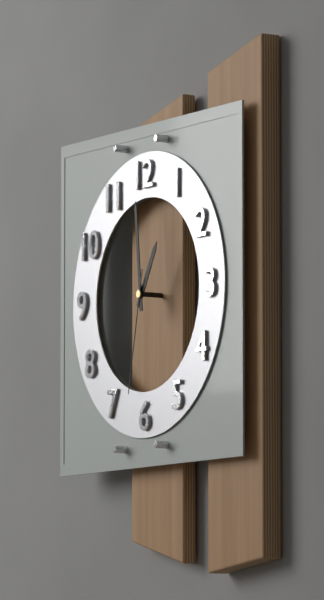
h=12 m=59 s=32
